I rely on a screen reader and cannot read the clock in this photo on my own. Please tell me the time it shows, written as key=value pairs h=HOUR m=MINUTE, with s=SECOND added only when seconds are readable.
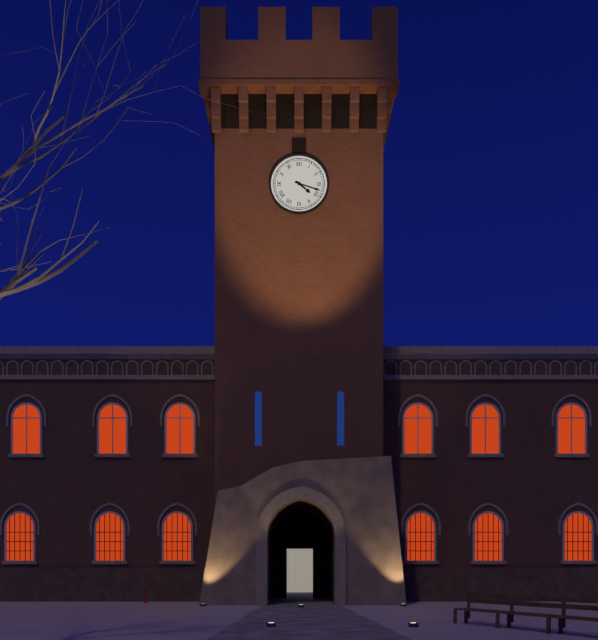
h=4 m=18
